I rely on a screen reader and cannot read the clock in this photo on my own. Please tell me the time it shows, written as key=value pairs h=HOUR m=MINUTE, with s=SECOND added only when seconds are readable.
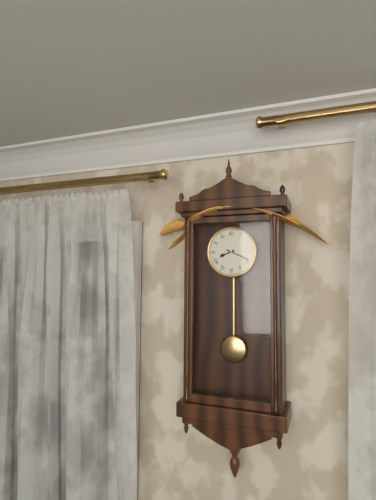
h=8 m=19
